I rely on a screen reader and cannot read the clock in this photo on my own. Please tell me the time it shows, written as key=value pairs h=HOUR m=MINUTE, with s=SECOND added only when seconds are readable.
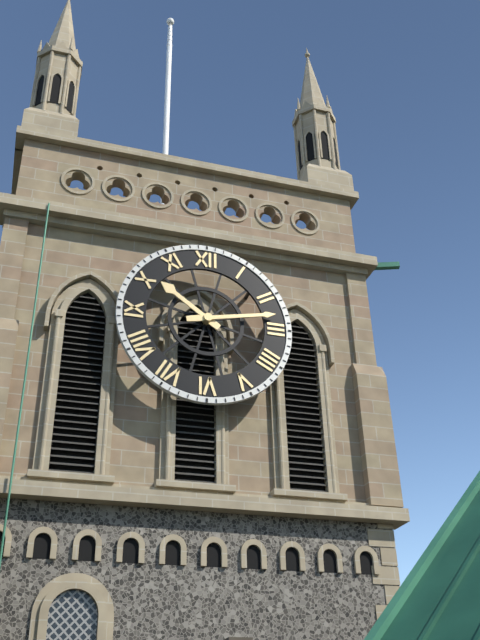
h=10 m=13
